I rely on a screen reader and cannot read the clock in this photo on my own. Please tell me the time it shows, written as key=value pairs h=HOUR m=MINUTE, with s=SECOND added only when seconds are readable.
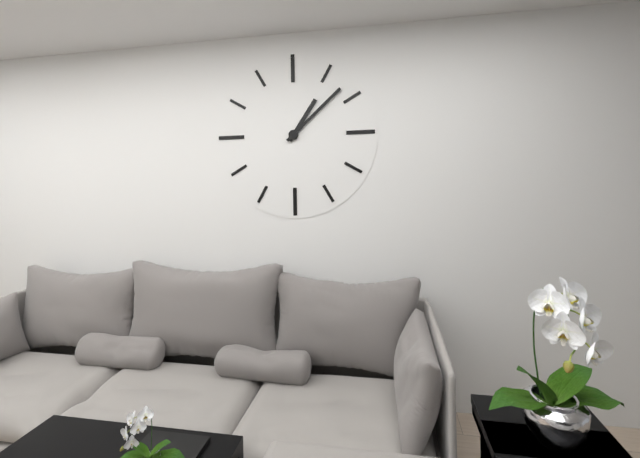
h=1 m=8
